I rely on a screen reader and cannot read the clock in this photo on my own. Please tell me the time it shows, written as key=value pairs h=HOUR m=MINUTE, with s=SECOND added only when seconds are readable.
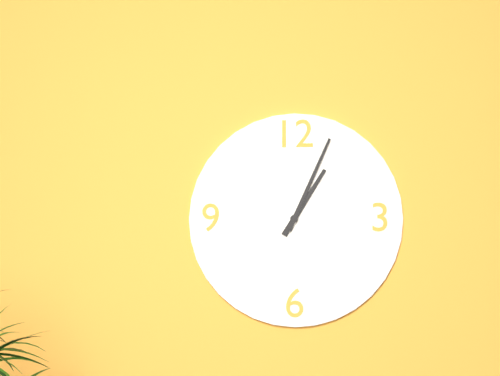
h=1 m=4
